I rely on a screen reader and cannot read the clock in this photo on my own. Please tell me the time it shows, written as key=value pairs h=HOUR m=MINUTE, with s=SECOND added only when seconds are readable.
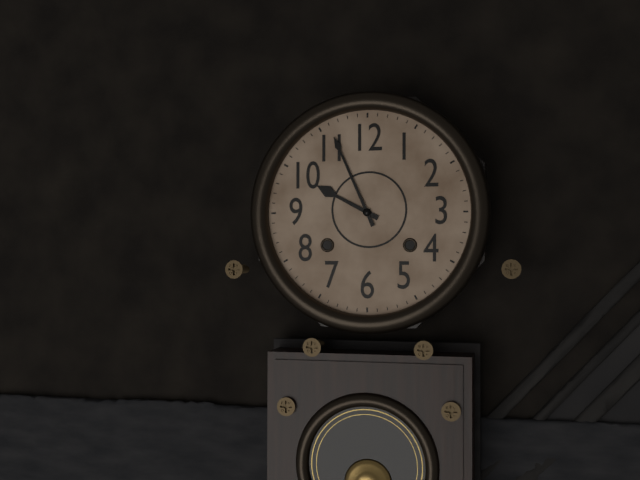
h=9 m=56
